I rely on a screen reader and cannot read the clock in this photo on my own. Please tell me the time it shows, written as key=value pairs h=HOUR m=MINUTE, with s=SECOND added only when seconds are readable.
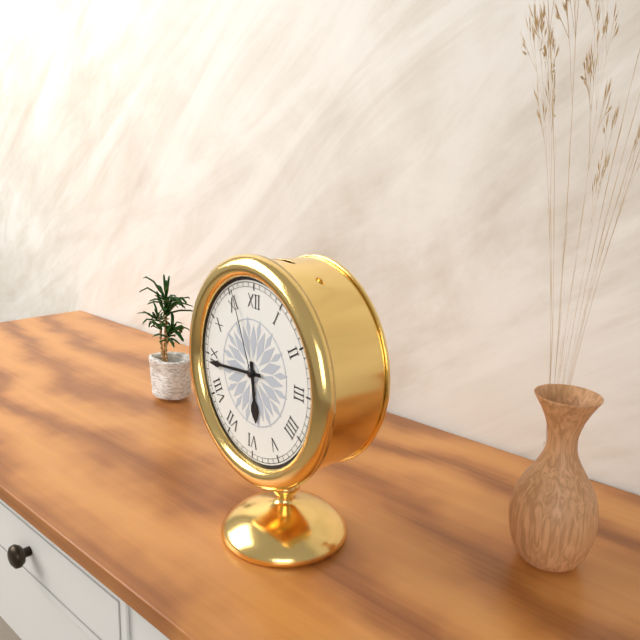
h=5 m=44 s=56
